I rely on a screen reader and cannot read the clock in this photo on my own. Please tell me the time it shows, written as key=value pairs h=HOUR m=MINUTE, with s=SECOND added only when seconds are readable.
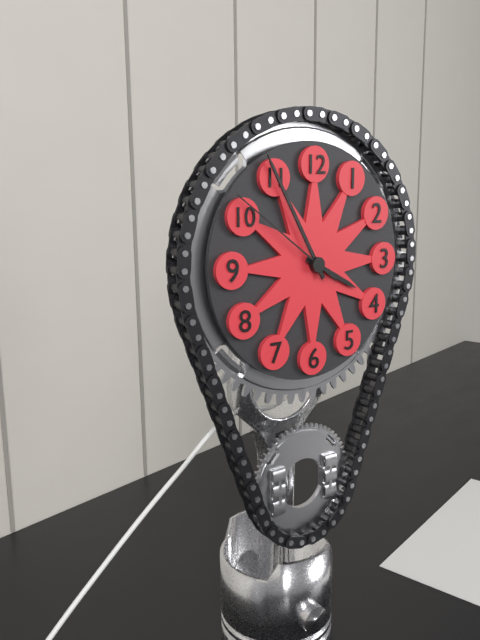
h=3 m=55 s=51
